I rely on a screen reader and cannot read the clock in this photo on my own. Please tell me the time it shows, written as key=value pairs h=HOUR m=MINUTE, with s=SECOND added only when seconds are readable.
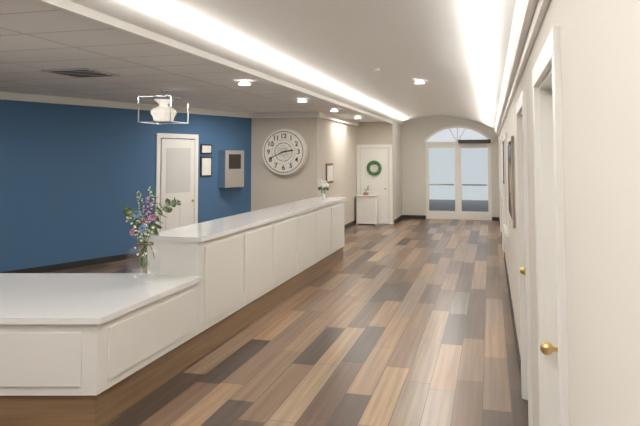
h=2 m=41
